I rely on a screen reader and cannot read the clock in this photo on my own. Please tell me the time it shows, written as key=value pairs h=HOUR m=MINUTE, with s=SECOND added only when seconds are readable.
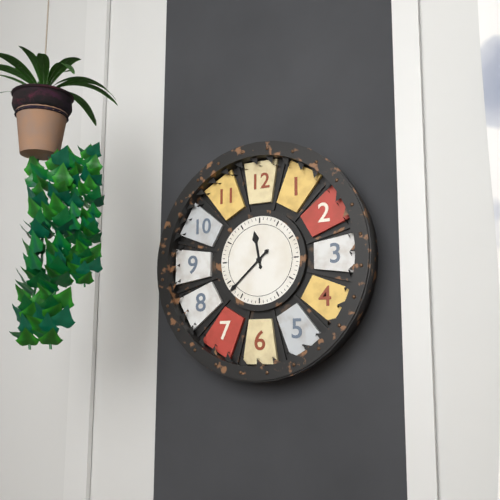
h=11 m=38
